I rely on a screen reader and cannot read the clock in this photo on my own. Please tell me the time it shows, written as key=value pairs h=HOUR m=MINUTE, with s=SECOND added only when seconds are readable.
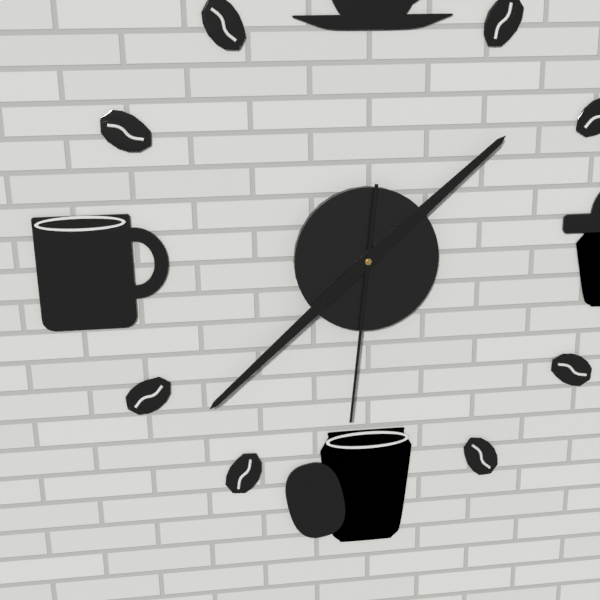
h=1 m=38 s=31
